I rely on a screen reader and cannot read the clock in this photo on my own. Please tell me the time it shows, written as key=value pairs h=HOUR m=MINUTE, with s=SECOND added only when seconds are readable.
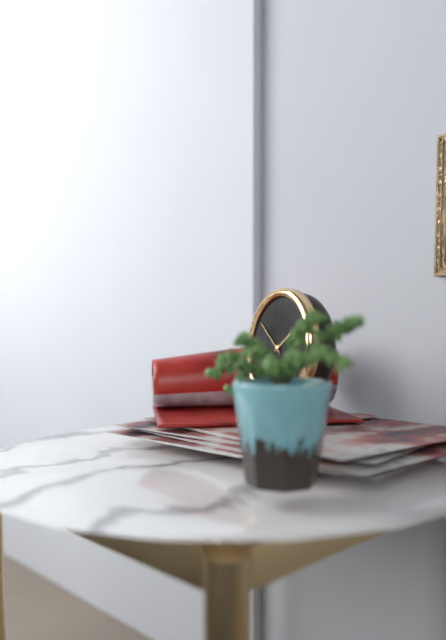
h=1 m=51
